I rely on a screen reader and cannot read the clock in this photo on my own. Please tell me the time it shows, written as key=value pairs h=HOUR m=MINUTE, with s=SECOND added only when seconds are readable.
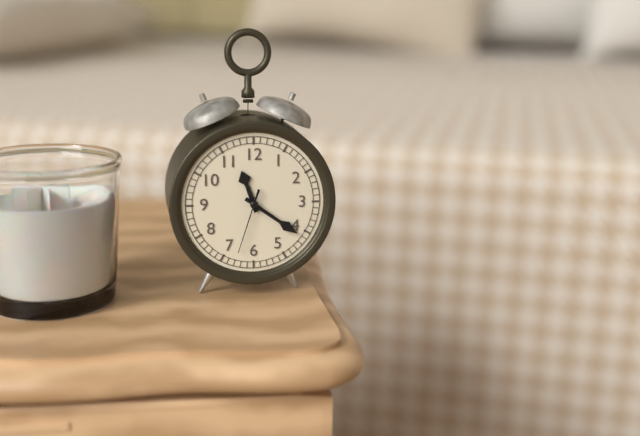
h=11 m=21 s=33
